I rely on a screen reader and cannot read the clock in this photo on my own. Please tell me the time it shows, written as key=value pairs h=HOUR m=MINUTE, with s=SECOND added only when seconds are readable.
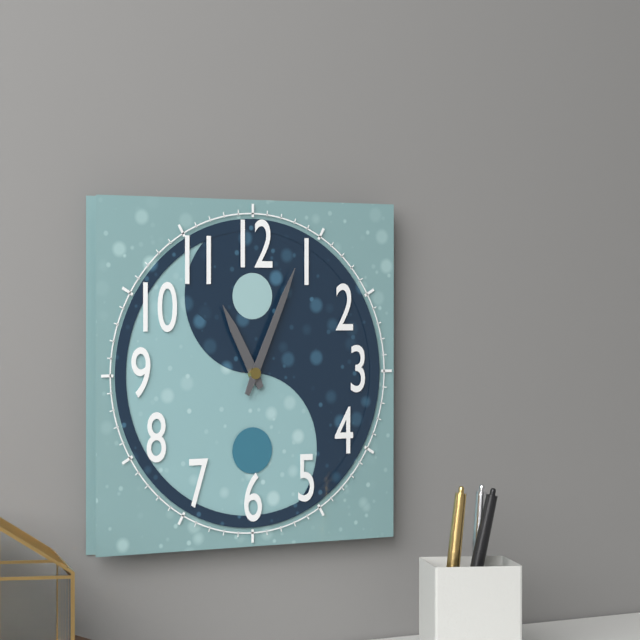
h=11 m=4
